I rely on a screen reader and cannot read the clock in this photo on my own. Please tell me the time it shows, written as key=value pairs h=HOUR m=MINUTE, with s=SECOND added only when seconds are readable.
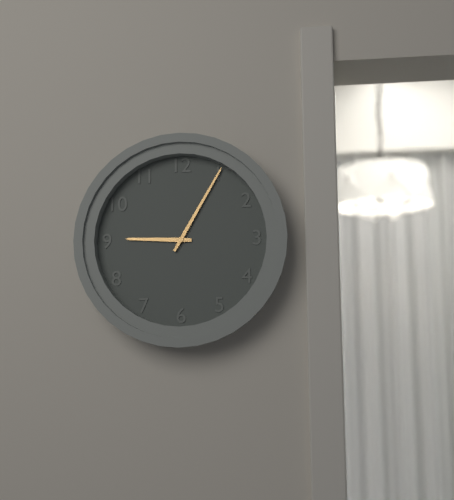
h=9 m=5
